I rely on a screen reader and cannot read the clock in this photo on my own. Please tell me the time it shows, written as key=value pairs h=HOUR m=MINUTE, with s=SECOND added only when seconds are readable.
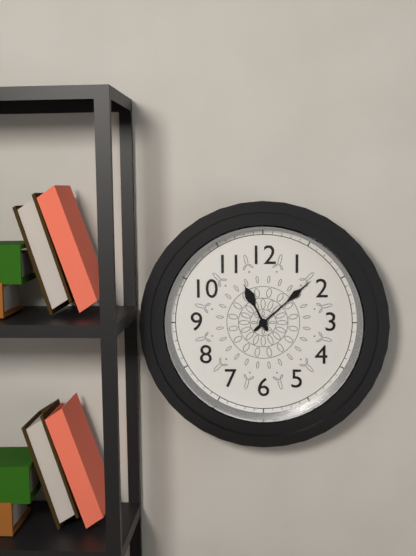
h=11 m=8
